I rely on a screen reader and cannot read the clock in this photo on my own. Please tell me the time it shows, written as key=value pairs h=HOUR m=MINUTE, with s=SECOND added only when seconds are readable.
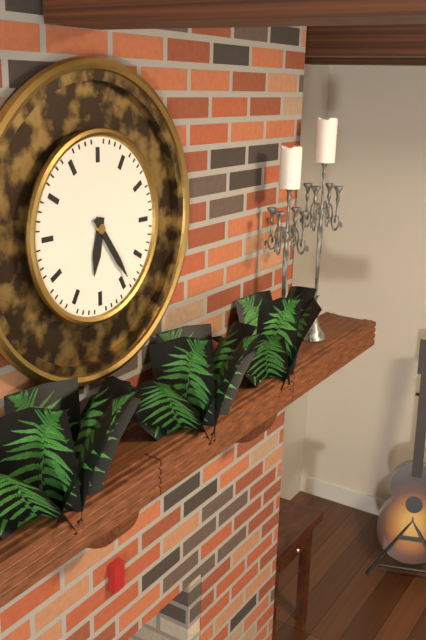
h=6 m=24
